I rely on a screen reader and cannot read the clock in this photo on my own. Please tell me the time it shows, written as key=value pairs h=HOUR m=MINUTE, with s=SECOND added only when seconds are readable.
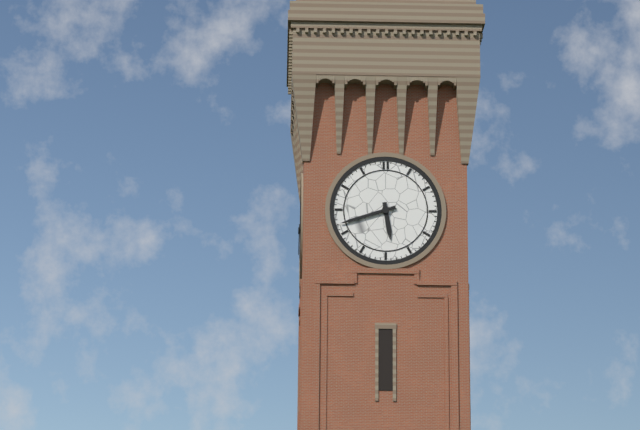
h=5 m=42
